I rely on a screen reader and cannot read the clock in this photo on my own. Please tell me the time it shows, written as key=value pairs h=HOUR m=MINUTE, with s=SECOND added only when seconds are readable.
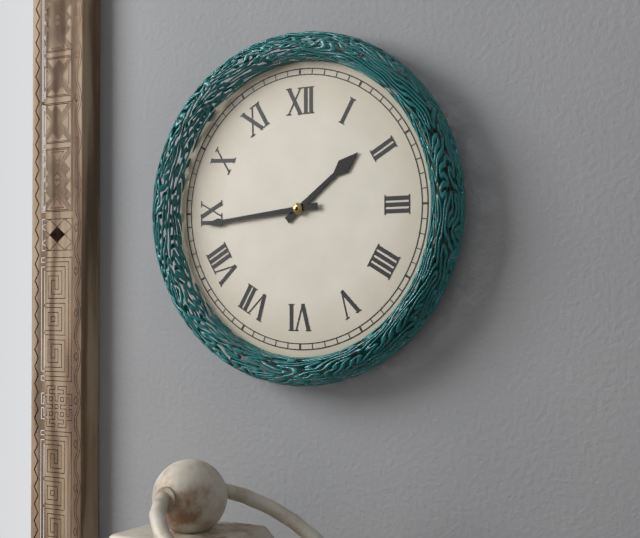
h=1 m=44
